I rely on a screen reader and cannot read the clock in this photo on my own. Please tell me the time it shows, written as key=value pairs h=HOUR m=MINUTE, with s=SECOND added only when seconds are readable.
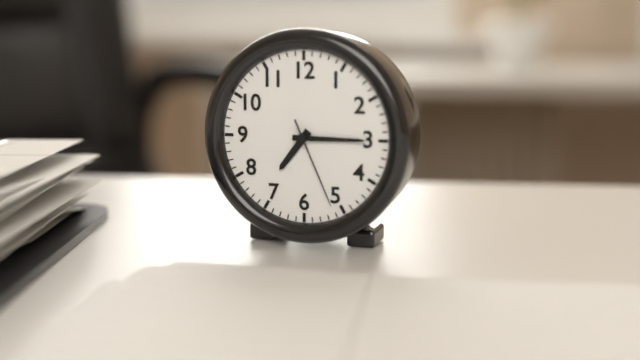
h=7 m=15 s=26
